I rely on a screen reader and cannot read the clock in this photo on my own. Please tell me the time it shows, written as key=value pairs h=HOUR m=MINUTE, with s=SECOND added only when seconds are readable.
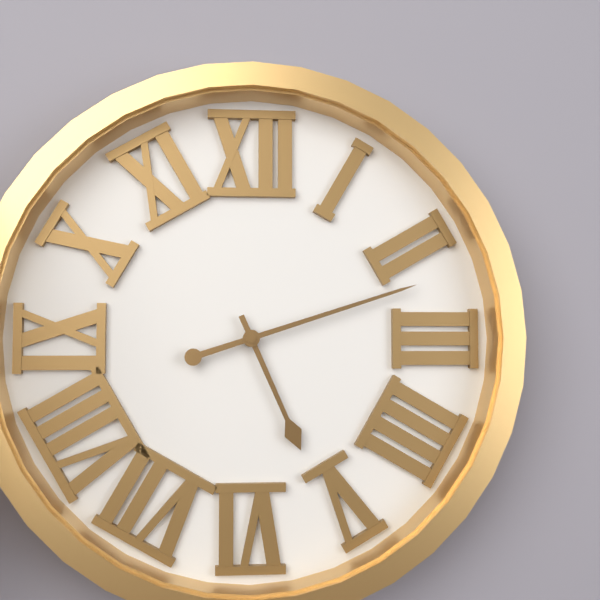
h=5 m=12
